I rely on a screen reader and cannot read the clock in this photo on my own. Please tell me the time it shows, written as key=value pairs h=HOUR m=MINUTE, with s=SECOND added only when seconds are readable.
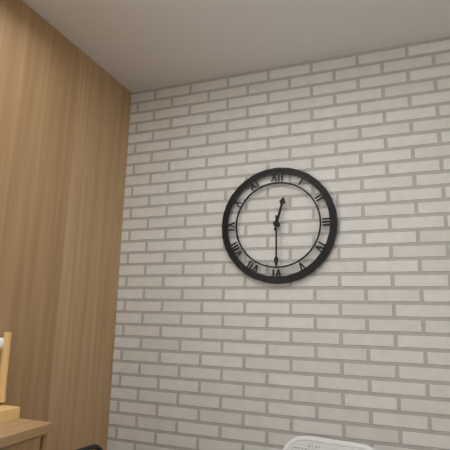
h=12 m=30
